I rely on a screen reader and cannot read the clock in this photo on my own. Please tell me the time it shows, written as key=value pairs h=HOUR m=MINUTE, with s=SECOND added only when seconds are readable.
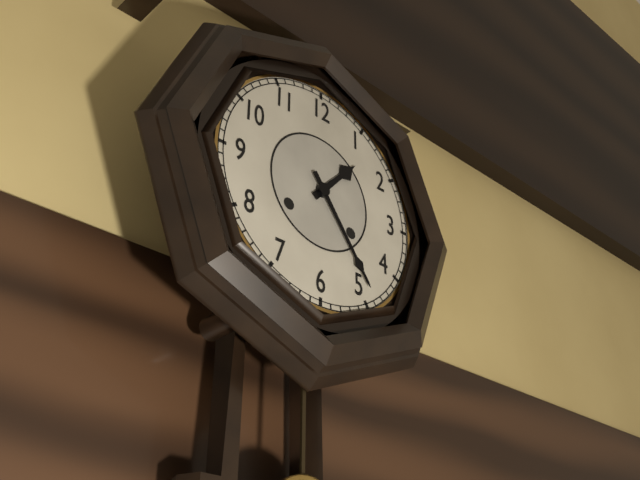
h=1 m=24
